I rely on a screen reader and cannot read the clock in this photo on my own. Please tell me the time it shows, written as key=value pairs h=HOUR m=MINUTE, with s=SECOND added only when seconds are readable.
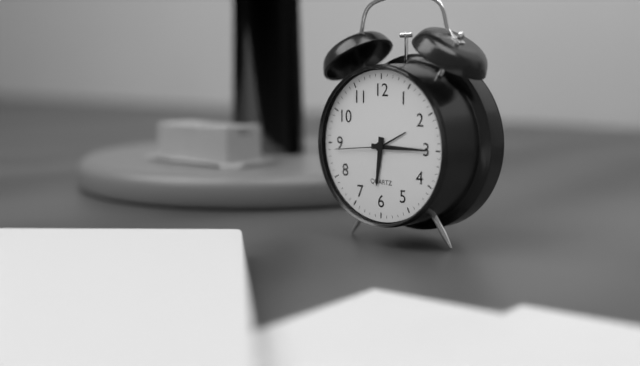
h=6 m=15 s=44
